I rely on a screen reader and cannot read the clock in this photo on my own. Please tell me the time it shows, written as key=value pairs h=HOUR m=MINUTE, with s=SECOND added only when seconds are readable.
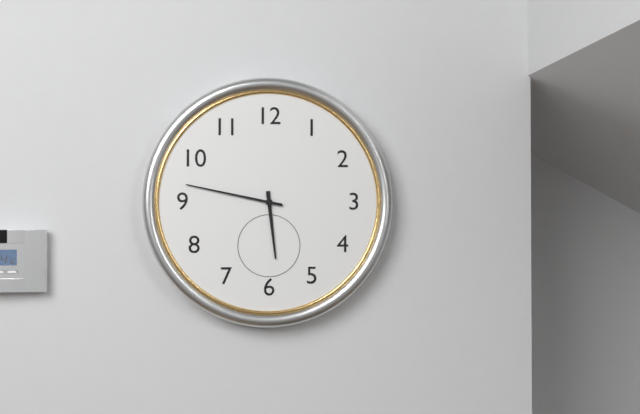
h=5 m=47
